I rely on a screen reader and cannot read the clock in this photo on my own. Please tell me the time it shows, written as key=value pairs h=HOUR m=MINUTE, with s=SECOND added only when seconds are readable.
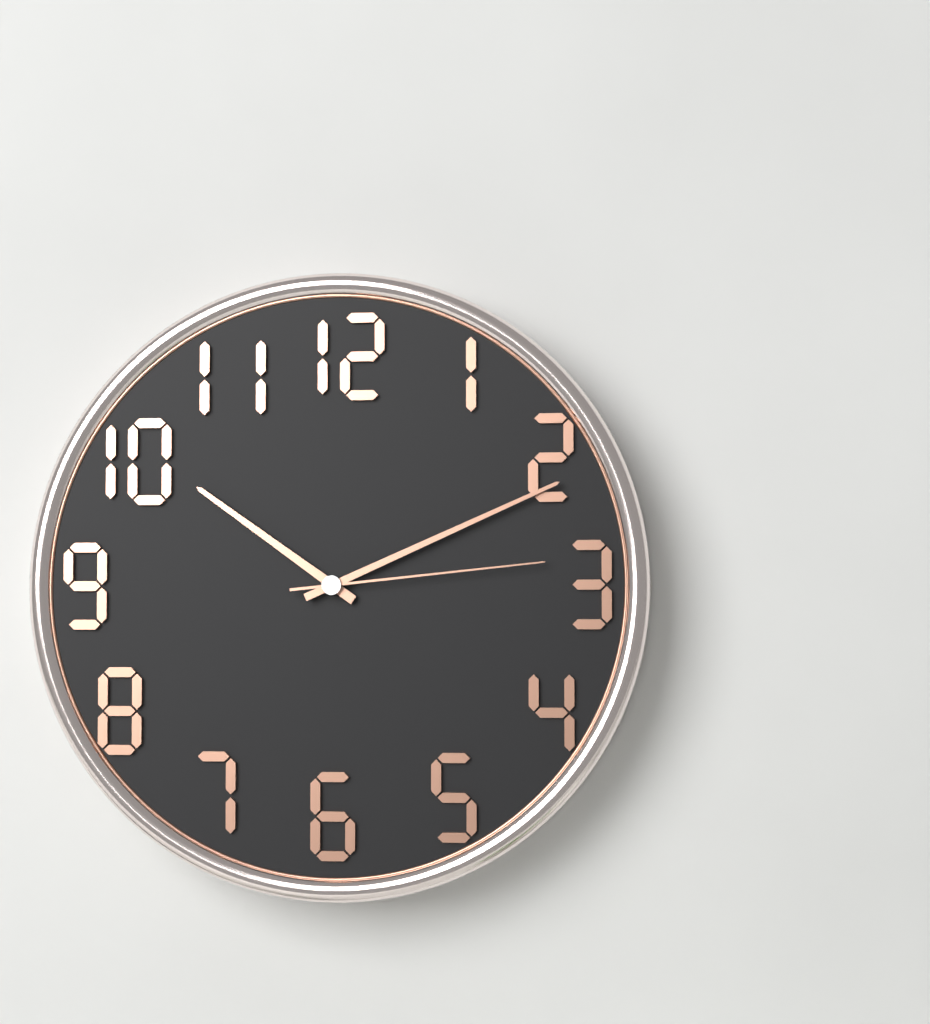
h=10 m=11 s=14
